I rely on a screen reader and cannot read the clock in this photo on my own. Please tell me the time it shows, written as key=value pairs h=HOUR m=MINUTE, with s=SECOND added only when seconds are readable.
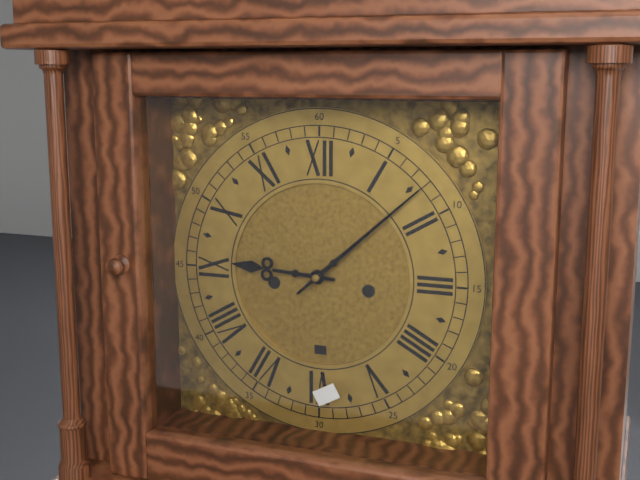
h=9 m=8
